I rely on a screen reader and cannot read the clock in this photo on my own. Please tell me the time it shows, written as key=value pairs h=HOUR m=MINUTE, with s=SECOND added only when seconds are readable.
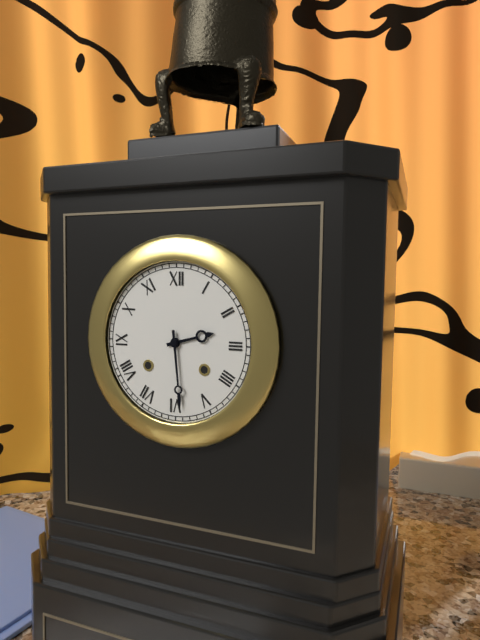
h=2 m=29
